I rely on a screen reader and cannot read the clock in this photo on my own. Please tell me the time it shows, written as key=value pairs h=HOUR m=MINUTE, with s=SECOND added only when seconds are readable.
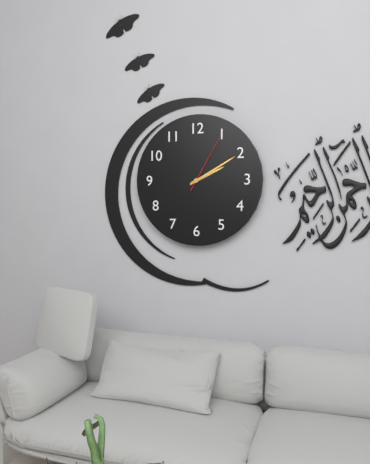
h=2 m=10 s=5
